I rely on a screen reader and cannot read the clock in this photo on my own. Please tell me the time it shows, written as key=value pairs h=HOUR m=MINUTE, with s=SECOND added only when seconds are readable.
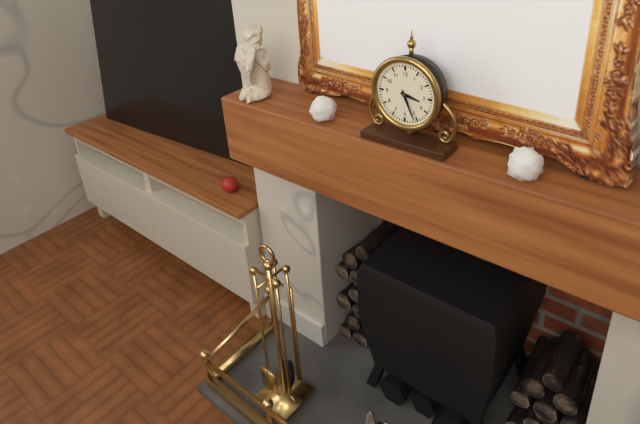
h=3 m=26
